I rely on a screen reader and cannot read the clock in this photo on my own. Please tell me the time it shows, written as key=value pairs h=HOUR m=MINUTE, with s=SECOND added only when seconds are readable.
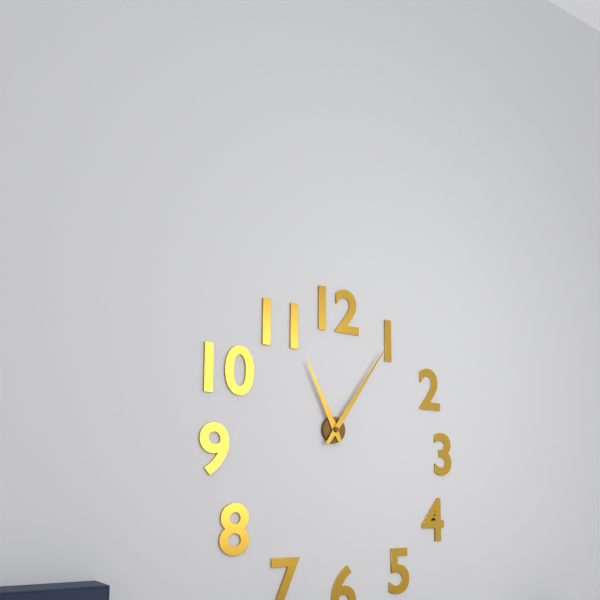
h=11 m=6
